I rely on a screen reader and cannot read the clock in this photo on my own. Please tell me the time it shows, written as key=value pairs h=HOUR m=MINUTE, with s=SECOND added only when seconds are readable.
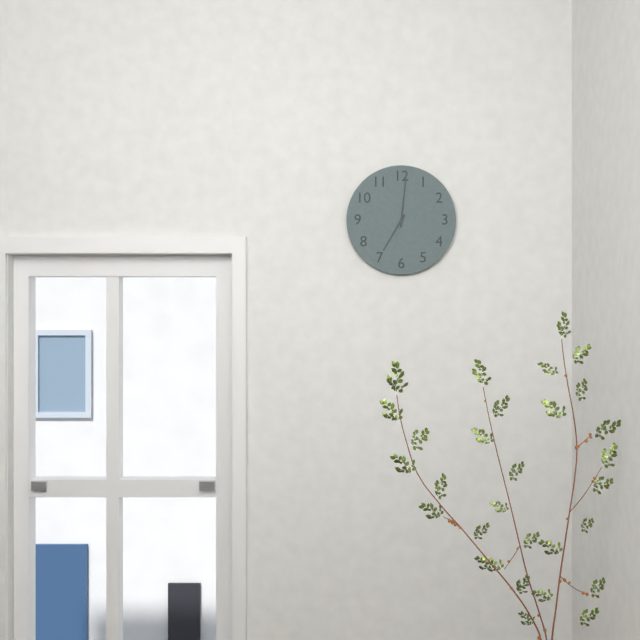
h=7 m=1
